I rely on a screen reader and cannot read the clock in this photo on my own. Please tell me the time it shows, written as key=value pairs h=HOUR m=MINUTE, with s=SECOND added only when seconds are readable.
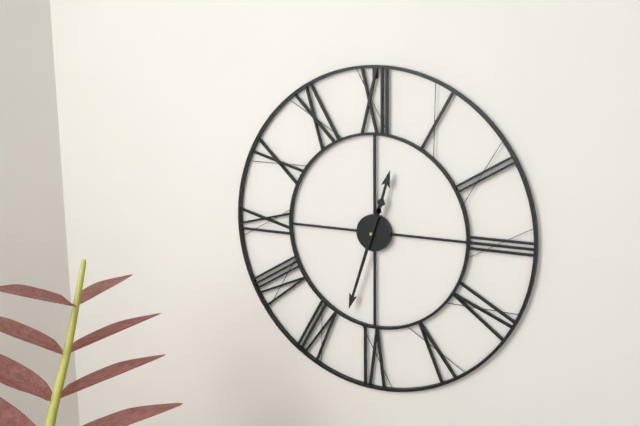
h=12 m=33
